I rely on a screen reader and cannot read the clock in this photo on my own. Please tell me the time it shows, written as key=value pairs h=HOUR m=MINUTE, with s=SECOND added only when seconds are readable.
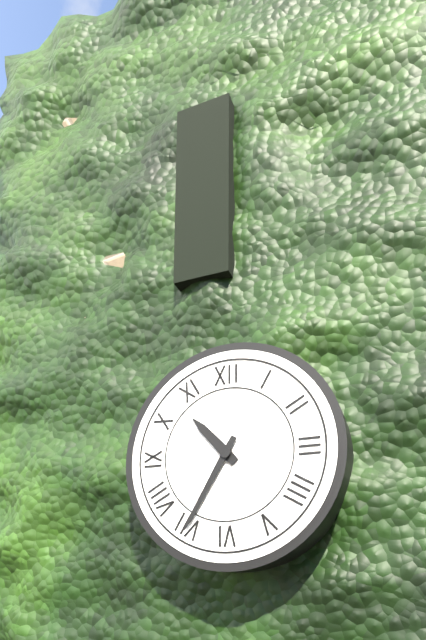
h=10 m=35
